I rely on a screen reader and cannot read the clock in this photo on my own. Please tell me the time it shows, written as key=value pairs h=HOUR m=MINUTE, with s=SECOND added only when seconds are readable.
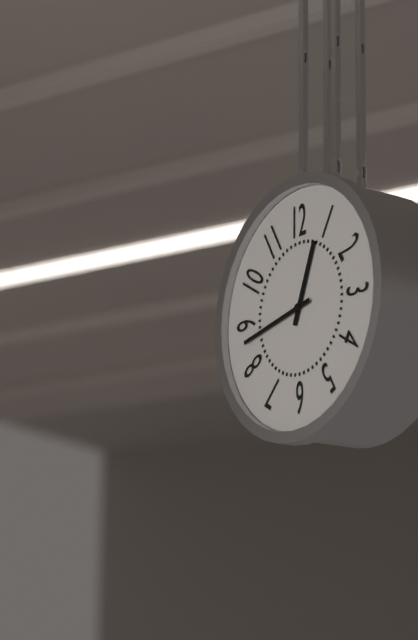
h=12 m=43
